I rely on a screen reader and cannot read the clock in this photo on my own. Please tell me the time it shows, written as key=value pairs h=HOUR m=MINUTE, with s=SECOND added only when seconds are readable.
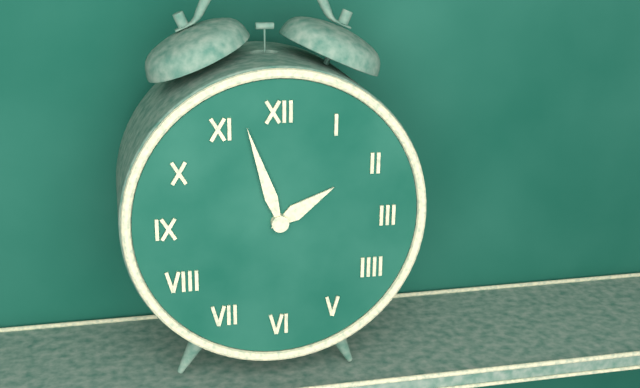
h=1 m=57
